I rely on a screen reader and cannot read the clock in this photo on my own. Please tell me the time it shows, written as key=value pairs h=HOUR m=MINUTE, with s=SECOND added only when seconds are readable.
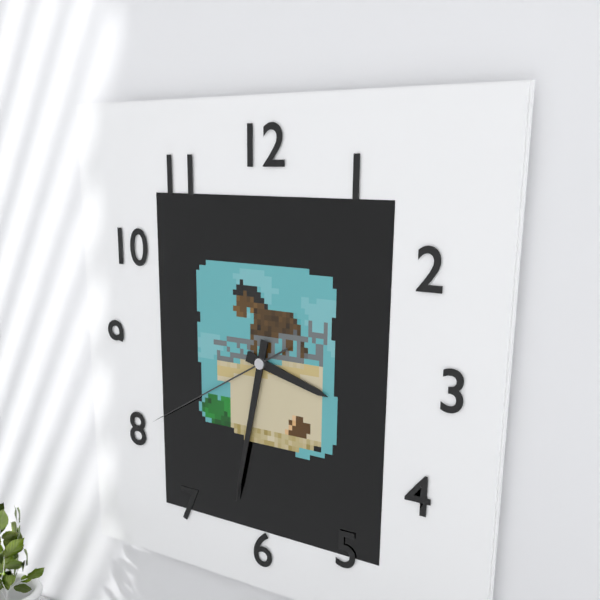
h=3 m=32 s=40
